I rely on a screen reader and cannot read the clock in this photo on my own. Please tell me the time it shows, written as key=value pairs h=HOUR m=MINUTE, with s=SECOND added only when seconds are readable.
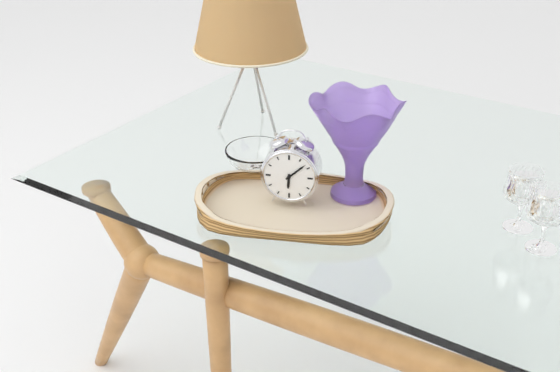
h=6 m=8
